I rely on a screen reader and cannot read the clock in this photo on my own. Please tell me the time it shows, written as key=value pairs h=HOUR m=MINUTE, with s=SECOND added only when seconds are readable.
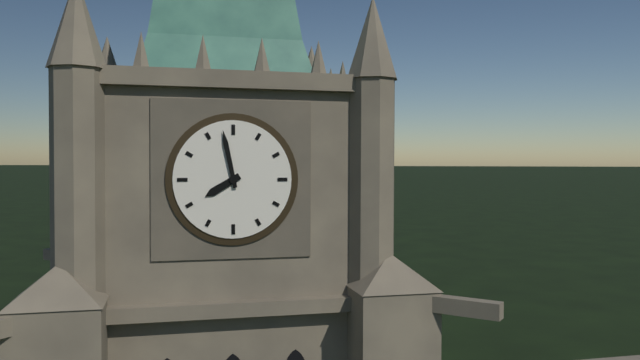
h=7 m=58
